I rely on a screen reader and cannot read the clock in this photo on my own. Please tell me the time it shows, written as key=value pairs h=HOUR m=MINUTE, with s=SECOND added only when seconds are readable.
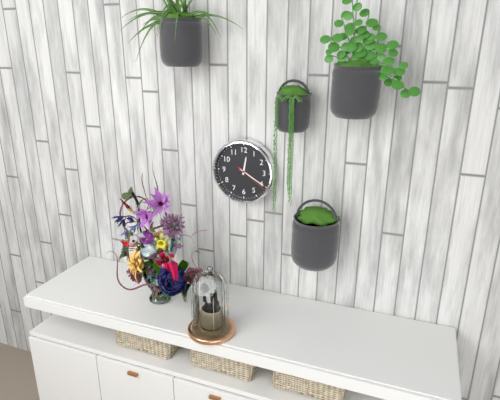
h=12 m=20
